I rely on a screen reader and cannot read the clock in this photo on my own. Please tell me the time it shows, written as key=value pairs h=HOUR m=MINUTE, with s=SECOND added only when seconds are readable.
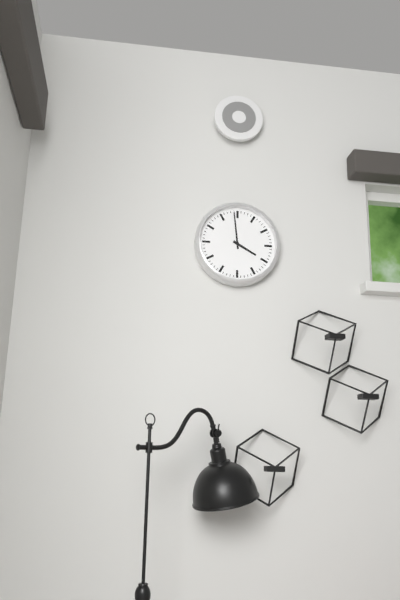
h=3 m=59
